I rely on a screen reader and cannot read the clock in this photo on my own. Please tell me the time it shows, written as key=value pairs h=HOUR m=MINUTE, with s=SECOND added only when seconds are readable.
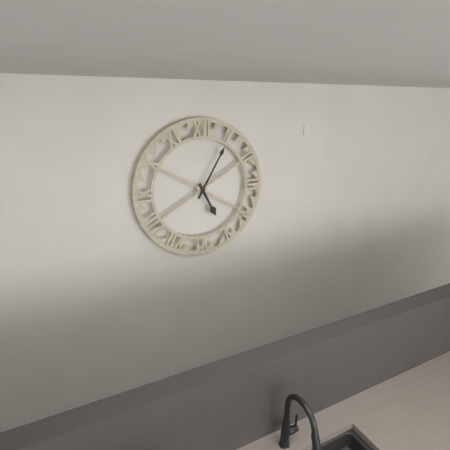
h=5 m=5
